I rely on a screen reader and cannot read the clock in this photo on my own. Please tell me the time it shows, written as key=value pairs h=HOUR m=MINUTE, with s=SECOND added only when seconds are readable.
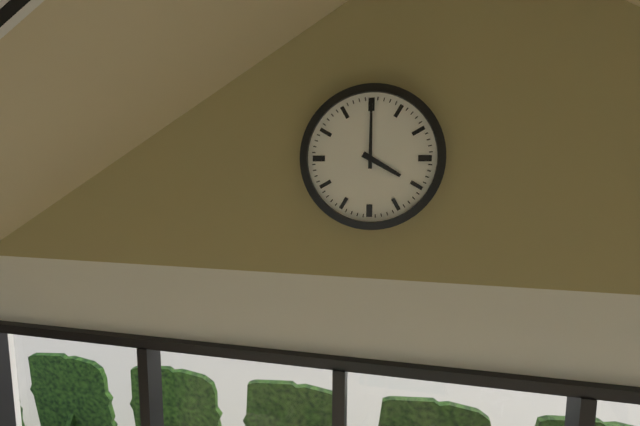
h=4 m=0
